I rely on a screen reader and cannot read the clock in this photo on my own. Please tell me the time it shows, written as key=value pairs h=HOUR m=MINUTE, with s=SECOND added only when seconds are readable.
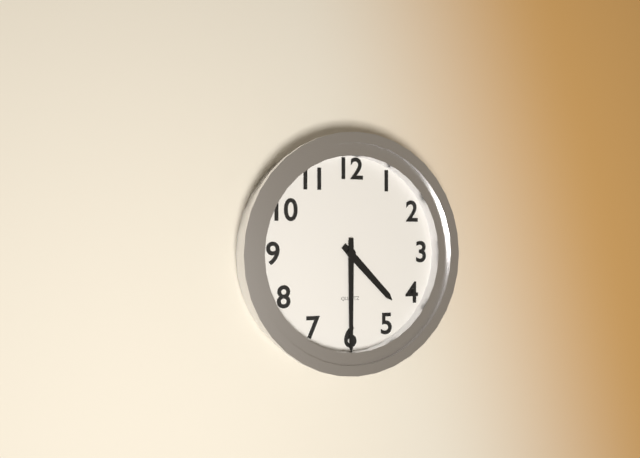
h=4 m=30
